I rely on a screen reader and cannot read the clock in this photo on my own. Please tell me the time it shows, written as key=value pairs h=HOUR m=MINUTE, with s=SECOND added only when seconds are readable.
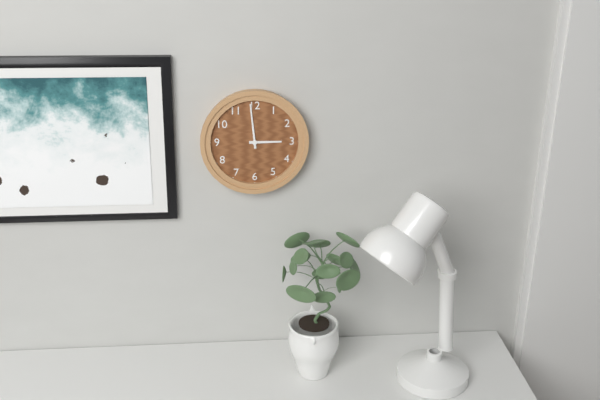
h=2 m=59
